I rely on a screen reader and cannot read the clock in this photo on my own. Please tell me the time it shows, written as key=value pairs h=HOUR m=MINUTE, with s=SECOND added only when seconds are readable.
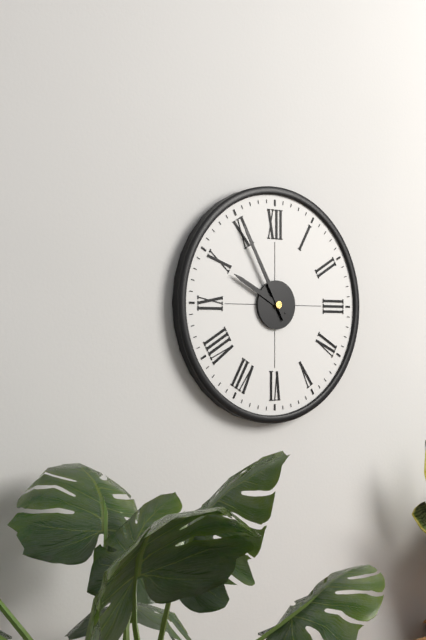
h=9 m=55
